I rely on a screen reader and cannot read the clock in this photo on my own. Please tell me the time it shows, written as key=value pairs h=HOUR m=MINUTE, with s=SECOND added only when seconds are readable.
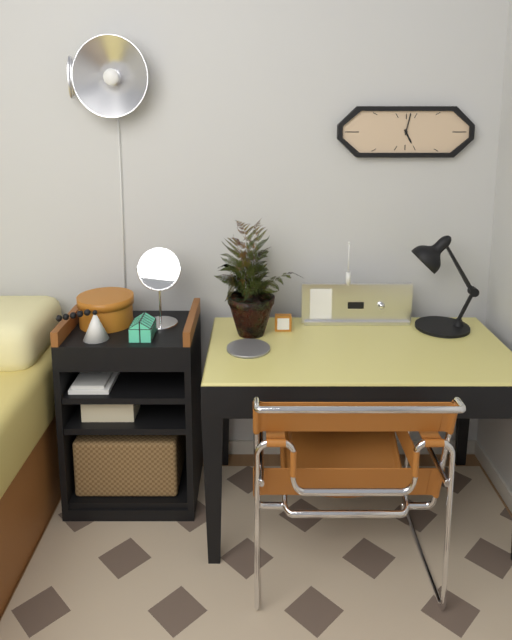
h=5 m=2
